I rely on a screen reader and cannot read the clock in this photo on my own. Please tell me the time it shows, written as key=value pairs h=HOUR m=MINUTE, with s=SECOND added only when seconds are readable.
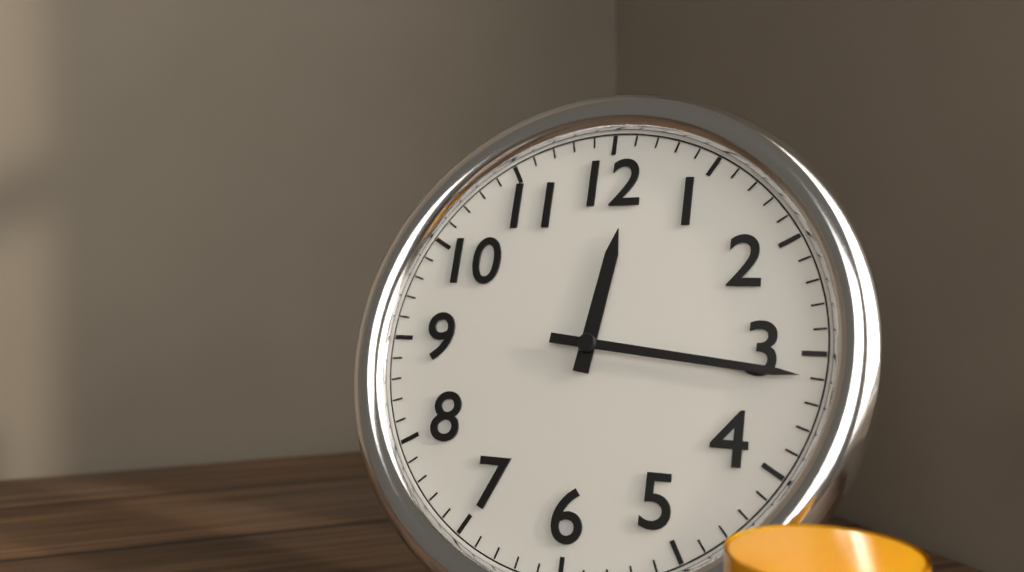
h=12 m=16
